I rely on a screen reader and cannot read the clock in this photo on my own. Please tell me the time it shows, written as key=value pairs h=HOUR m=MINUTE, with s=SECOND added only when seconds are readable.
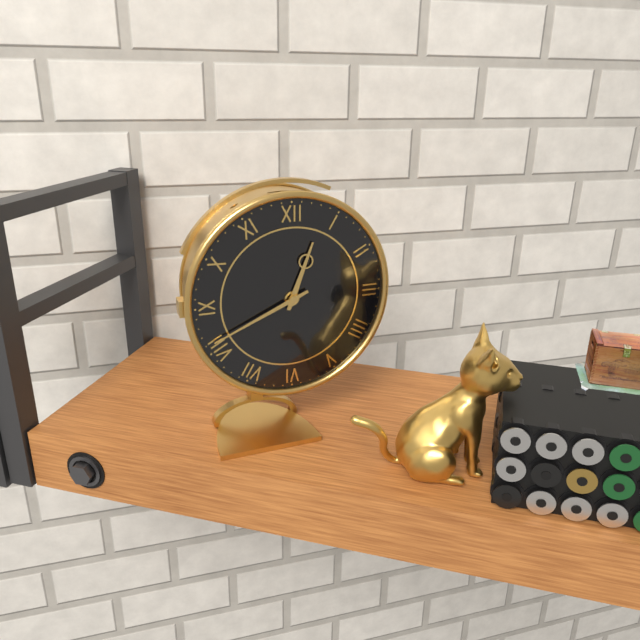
h=12 m=41
